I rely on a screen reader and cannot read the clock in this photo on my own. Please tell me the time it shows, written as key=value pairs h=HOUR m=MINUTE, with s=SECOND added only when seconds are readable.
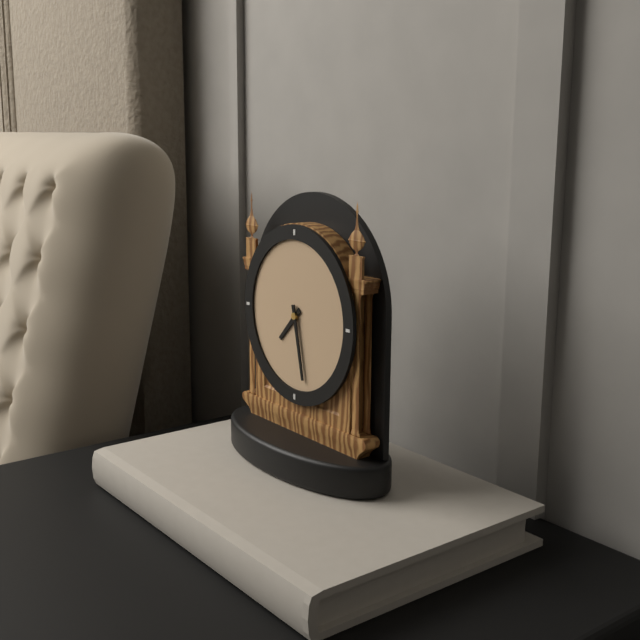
h=7 m=28
